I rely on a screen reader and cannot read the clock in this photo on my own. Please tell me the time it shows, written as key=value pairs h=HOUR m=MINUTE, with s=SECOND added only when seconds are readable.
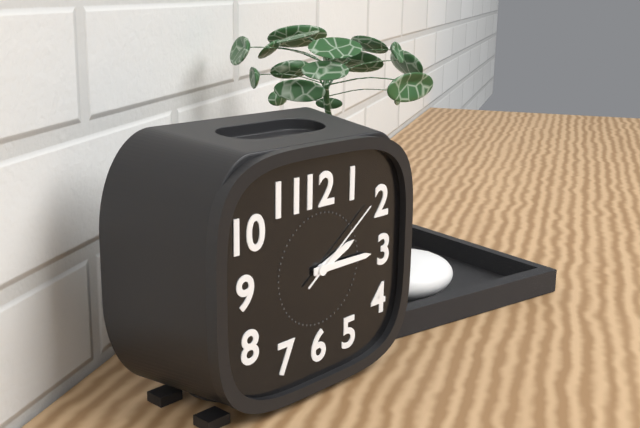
h=2 m=15 s=9
